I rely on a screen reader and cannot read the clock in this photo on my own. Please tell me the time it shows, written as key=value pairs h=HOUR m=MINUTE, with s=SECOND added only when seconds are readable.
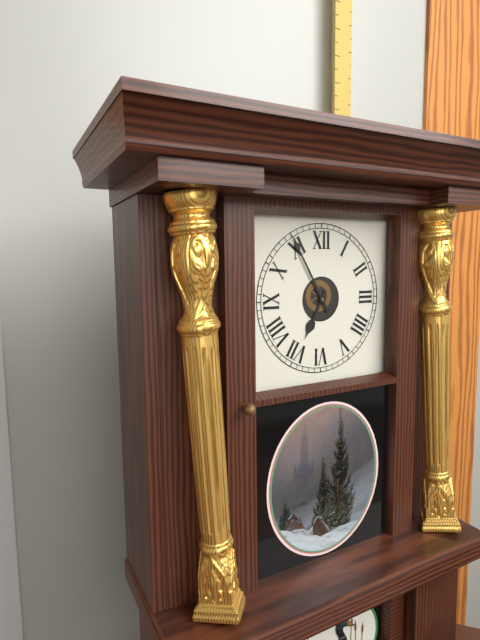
h=6 m=55
